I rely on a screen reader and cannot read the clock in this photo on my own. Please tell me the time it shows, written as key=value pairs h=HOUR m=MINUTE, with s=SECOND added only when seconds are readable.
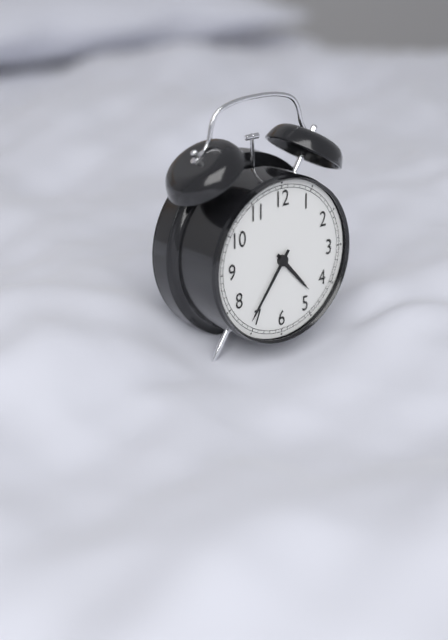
h=4 m=36
